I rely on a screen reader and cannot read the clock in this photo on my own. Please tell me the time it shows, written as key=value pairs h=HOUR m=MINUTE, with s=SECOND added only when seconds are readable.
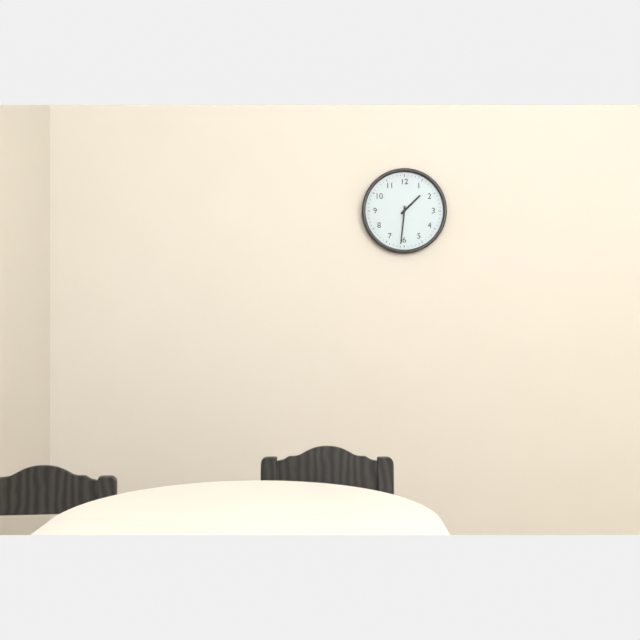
h=1 m=31
